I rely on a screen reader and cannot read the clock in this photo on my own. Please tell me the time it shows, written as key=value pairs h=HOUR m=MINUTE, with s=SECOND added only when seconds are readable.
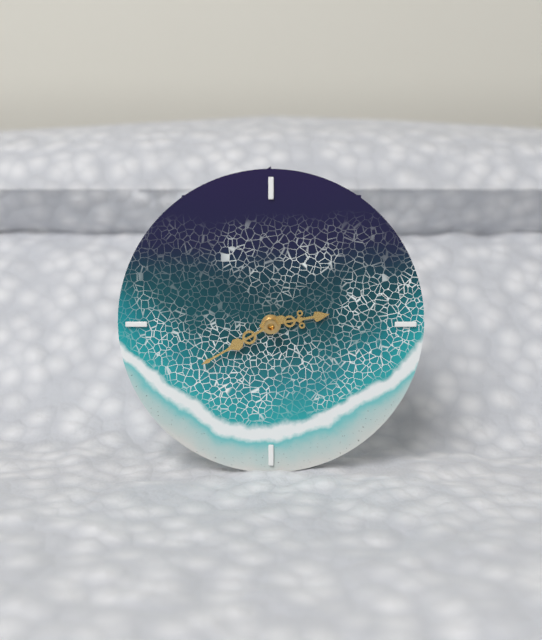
h=2 m=40
